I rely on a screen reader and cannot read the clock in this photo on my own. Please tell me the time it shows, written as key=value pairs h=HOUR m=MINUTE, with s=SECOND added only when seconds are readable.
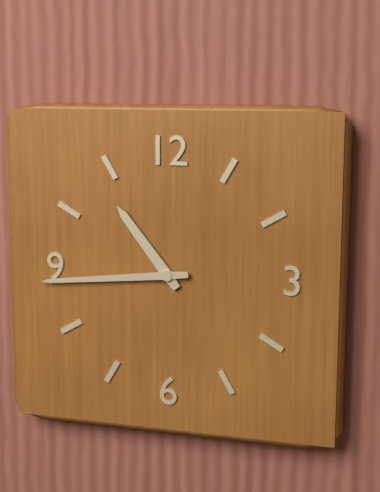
h=10 m=44
